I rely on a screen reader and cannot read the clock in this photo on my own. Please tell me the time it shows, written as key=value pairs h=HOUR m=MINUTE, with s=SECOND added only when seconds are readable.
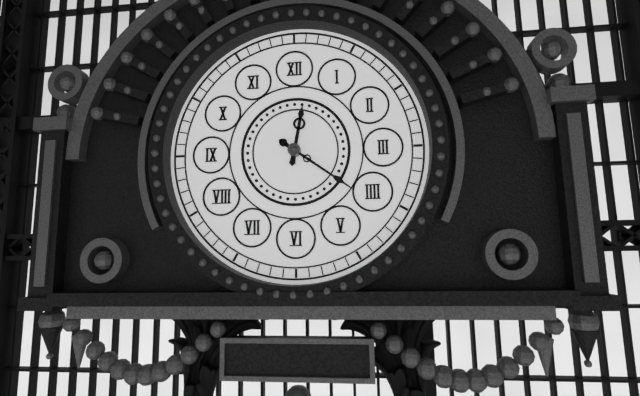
h=12 m=21
